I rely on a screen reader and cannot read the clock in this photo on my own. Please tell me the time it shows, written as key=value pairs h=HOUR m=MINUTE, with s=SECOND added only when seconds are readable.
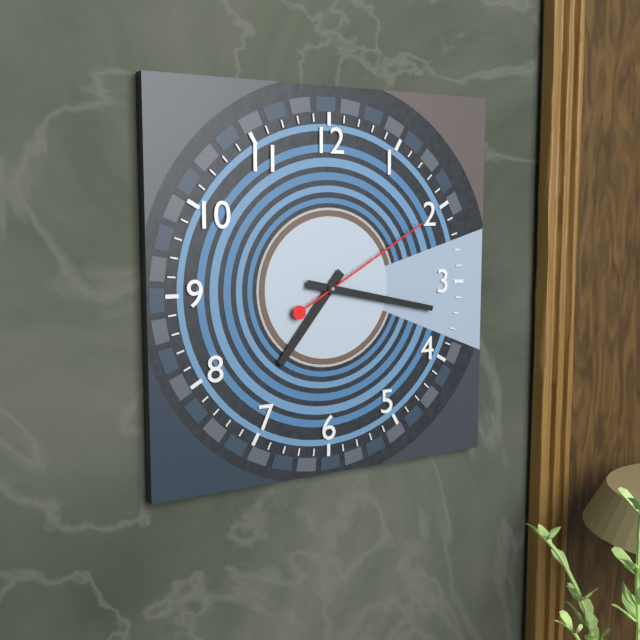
h=7 m=17 s=10
